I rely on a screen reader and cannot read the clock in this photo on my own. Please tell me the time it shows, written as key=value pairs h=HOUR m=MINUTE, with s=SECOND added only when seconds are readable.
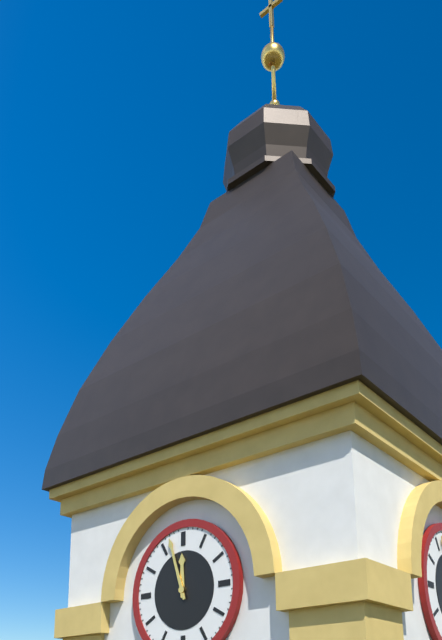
h=11 m=57
